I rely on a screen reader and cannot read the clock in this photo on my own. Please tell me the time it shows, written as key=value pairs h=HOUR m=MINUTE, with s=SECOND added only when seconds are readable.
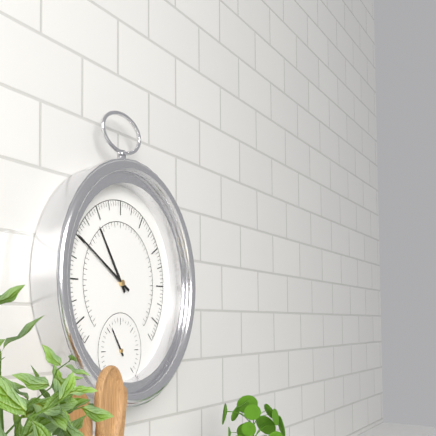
h=10 m=50
